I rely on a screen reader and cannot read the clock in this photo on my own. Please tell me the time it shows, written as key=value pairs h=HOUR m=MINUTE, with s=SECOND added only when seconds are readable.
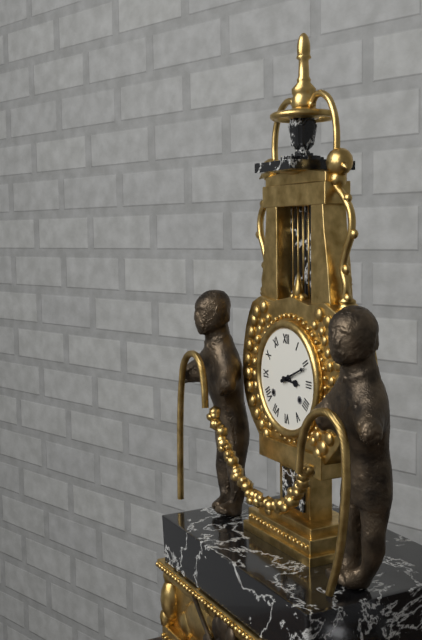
h=3 m=11
